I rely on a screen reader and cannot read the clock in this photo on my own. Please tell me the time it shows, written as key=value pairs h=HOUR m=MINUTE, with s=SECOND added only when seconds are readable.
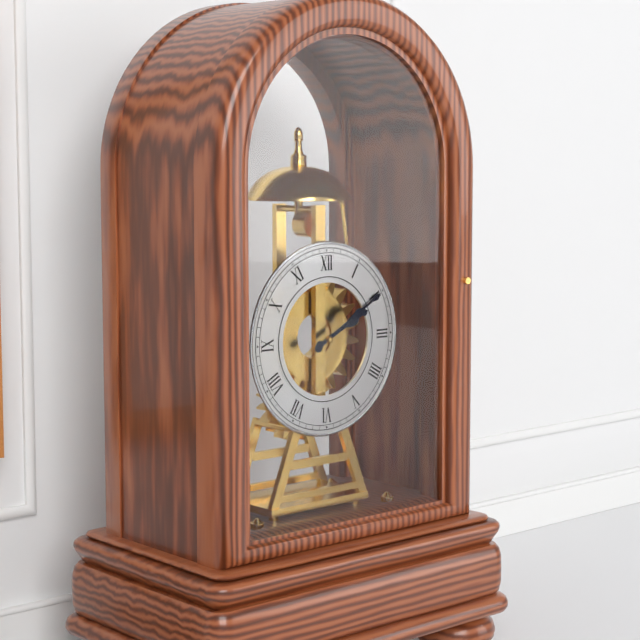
h=2 m=10
